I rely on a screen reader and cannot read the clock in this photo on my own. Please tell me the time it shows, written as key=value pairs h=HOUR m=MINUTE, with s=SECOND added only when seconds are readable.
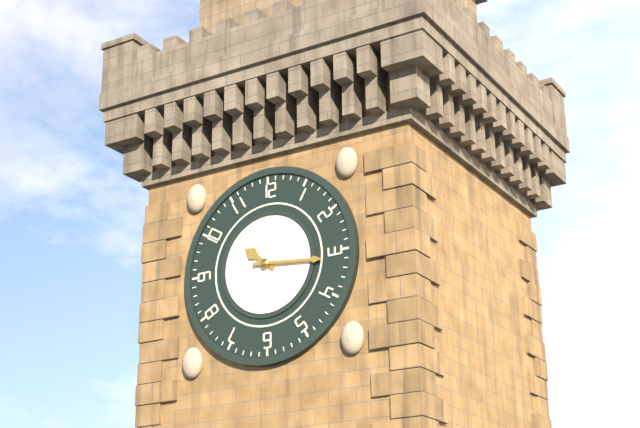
h=10 m=16
